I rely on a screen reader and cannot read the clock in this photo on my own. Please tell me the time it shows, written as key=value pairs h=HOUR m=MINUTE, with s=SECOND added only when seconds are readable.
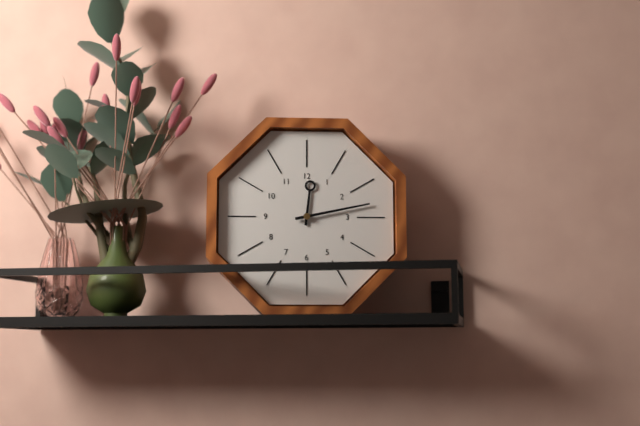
h=12 m=13
